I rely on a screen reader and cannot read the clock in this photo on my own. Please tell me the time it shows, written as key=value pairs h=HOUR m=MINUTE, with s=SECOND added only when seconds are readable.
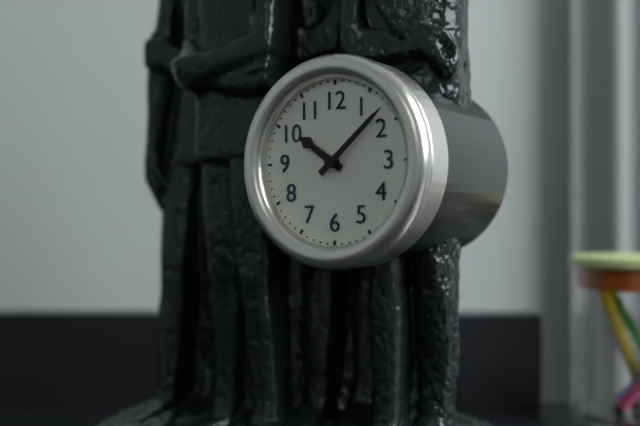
h=10 m=8
